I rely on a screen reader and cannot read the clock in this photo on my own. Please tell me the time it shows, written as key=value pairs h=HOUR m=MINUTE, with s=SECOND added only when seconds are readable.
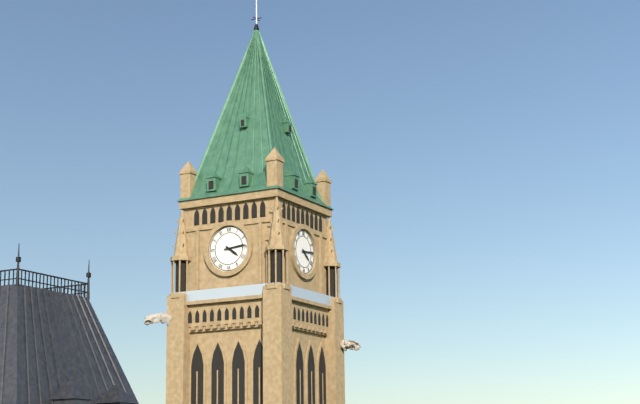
h=4 m=14
